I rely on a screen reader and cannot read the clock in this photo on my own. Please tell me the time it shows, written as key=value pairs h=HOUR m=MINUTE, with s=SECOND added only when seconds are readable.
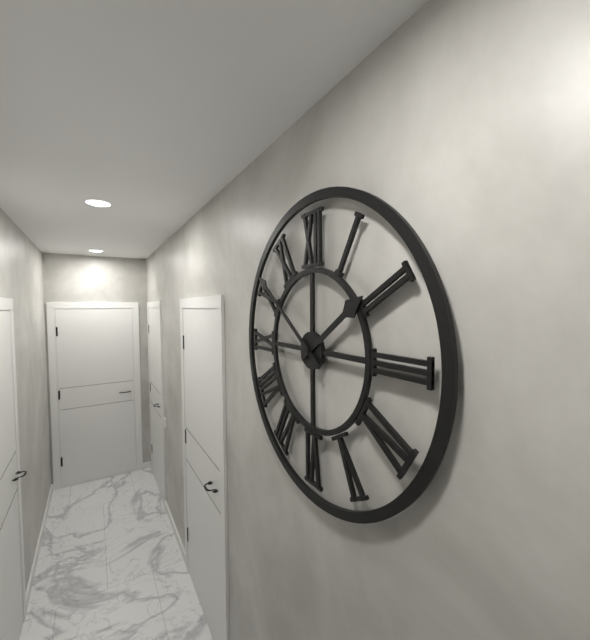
h=1 m=51
